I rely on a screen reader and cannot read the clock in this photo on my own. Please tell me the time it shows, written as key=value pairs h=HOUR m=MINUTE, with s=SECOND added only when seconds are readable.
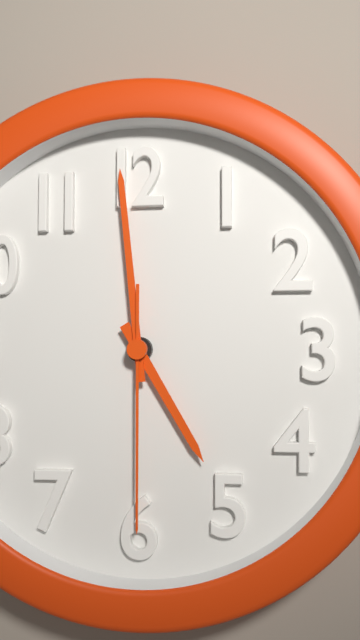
h=4 m=59 s=30
